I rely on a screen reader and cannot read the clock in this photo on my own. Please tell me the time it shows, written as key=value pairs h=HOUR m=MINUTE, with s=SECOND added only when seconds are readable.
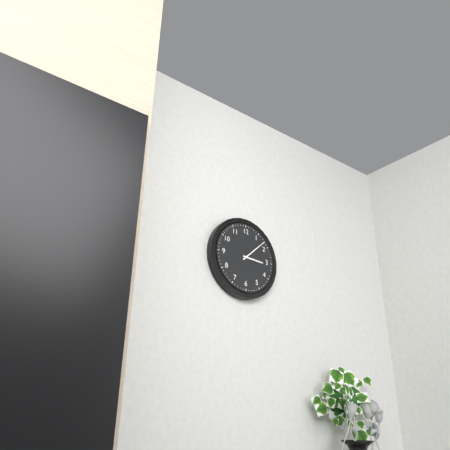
h=3 m=8
